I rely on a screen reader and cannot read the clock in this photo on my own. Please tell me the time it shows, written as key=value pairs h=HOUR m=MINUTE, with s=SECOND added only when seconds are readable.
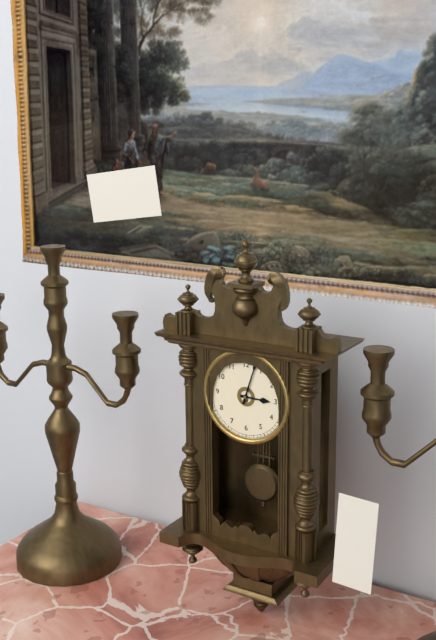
h=3 m=3
